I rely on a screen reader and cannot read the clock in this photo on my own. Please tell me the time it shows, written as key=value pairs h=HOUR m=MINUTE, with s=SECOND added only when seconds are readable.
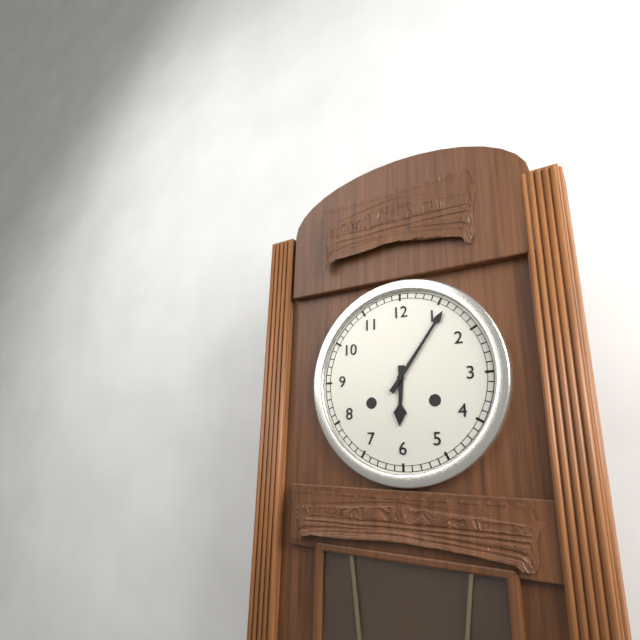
h=6 m=6
